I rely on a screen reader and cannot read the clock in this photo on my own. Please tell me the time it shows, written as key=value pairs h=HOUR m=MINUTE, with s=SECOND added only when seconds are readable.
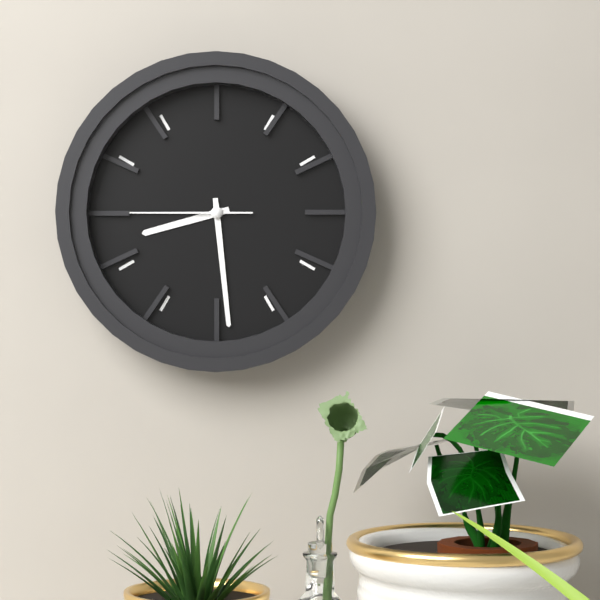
h=8 m=29 s=45
